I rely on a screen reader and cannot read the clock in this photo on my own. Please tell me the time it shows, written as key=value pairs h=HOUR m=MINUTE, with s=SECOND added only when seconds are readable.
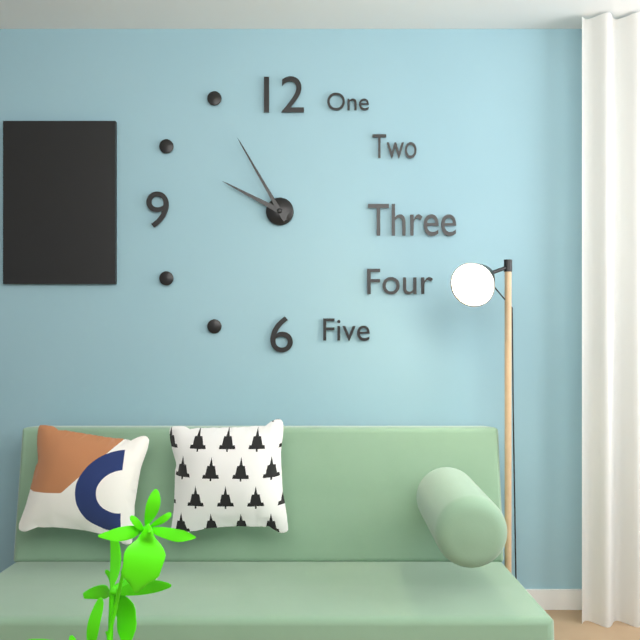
h=9 m=55
